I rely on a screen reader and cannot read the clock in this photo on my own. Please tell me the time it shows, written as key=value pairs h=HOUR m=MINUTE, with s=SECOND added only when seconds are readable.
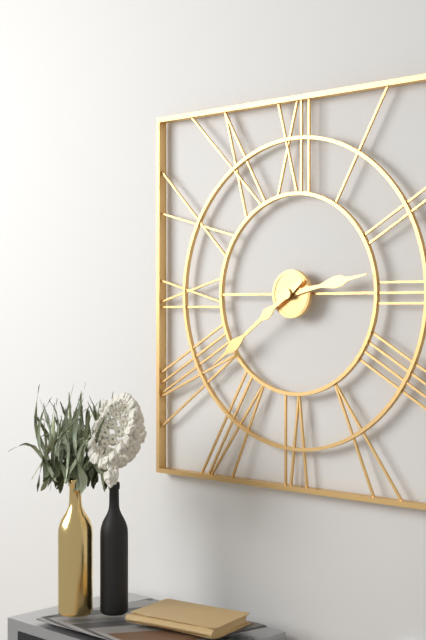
h=2 m=39
